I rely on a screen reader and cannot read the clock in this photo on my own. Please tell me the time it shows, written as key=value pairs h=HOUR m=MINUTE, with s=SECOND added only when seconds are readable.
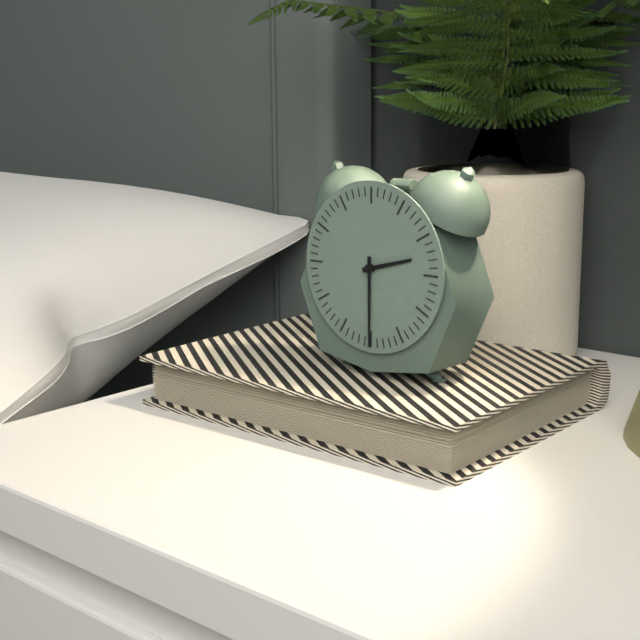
h=2 m=30
